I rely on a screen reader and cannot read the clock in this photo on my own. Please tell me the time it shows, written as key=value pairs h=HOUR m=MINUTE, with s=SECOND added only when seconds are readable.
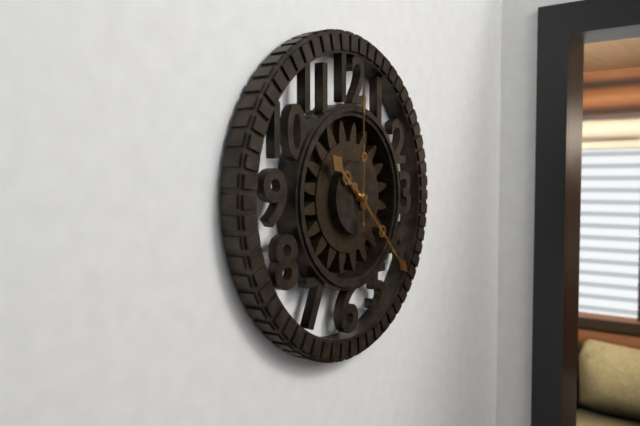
h=10 m=22 s=0
